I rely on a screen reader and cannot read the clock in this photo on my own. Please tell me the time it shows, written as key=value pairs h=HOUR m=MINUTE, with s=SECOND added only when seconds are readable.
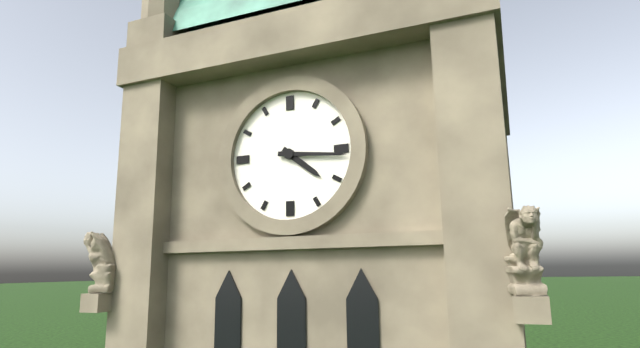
h=4 m=16
